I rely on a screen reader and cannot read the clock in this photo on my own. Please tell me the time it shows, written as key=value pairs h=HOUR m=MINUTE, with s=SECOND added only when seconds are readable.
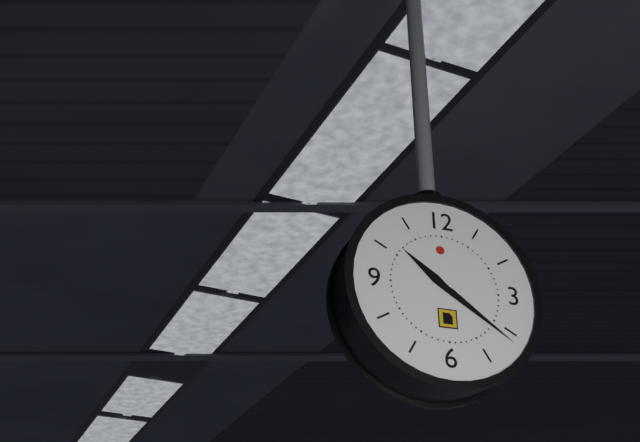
h=10 m=21
